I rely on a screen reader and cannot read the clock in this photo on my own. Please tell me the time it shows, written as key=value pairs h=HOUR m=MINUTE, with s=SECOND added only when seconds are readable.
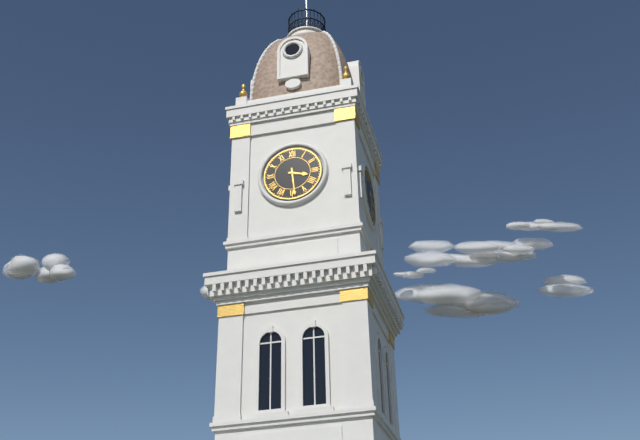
h=3 m=29
